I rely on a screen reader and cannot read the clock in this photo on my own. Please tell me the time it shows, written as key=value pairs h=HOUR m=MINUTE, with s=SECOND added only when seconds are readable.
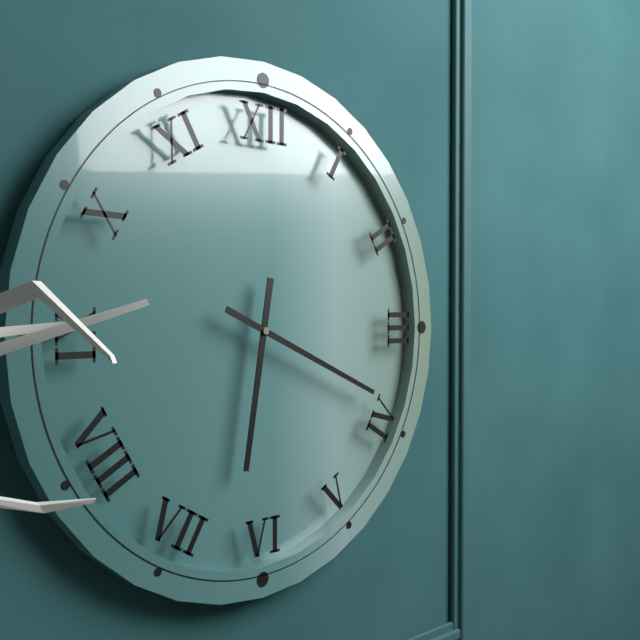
h=6 m=19
